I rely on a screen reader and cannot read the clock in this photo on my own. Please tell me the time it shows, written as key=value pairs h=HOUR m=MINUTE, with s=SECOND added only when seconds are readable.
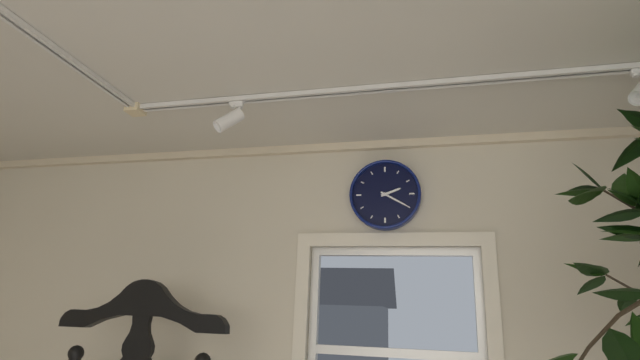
h=2 m=20
